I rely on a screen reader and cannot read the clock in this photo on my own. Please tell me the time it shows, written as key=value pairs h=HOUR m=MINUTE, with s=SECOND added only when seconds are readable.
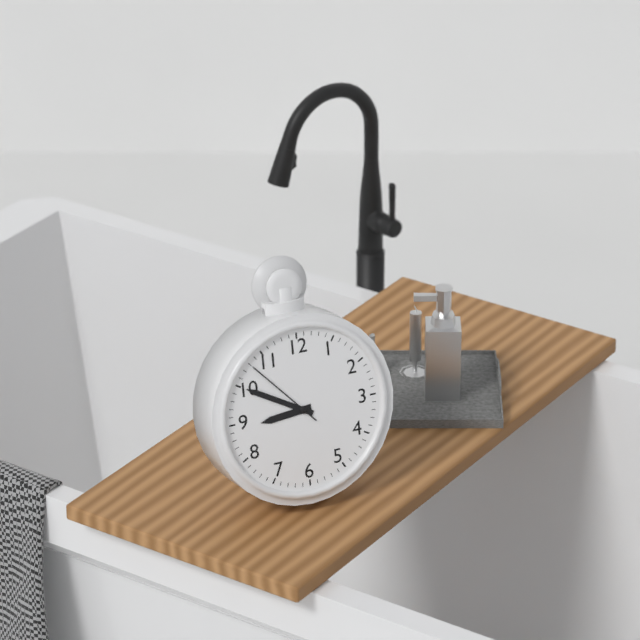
h=8 m=50 s=53
